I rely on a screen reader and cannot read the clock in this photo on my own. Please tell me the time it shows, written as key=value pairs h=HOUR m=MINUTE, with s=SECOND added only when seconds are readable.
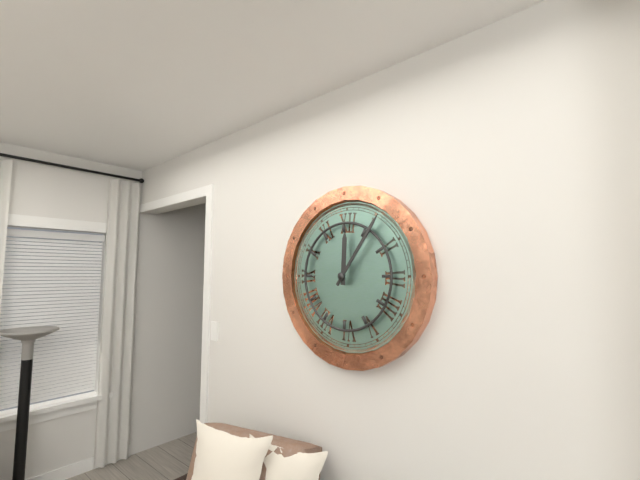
h=12 m=6
